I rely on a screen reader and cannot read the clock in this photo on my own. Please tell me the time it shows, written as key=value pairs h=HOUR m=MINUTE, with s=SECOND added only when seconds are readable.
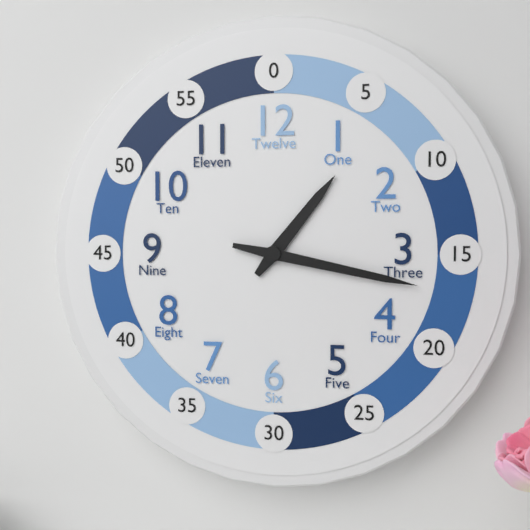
h=1 m=17
